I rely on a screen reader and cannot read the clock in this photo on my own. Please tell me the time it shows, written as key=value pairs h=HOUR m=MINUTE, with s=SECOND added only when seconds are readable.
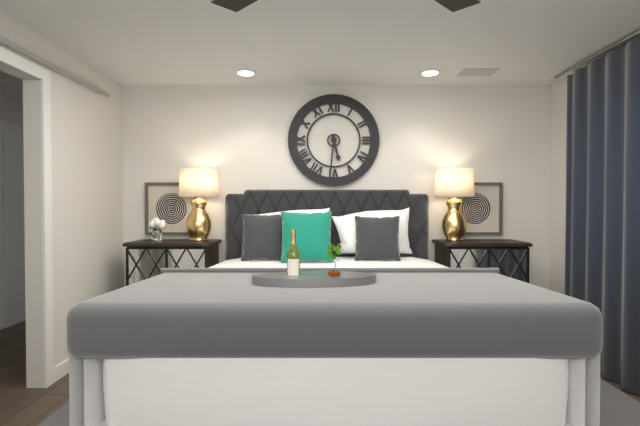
h=5 m=31
